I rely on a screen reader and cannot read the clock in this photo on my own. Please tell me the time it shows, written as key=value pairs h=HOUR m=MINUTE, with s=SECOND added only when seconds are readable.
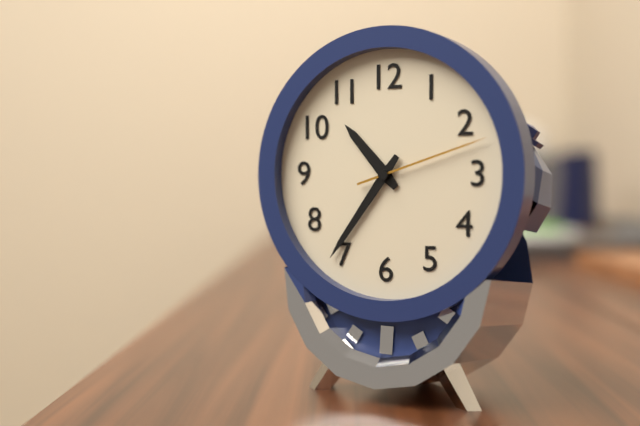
h=10 m=36 s=12
